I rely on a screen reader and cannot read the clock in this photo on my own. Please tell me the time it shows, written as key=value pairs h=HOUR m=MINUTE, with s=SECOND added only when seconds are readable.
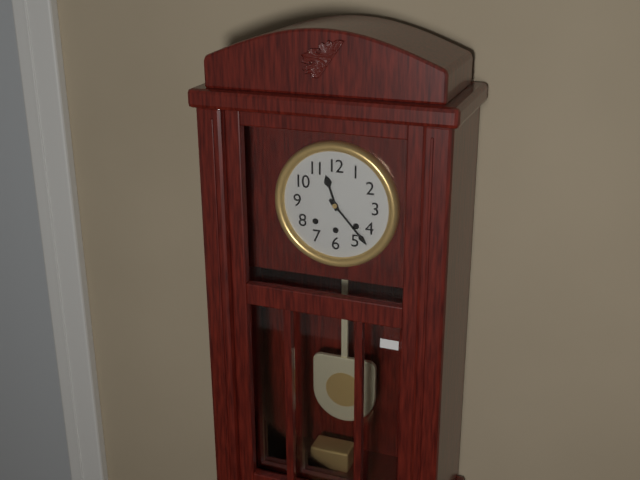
h=11 m=23
